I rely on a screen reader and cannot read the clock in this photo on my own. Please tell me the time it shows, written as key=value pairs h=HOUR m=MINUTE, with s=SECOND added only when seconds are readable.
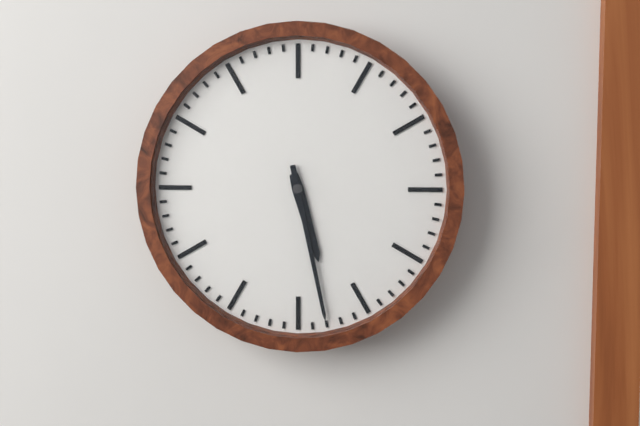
h=5 m=28
